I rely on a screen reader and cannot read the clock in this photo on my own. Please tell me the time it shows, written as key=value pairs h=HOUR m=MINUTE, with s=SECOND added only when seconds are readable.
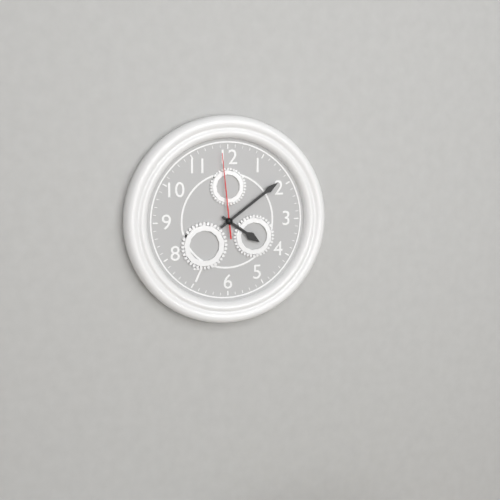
h=4 m=9 s=59
